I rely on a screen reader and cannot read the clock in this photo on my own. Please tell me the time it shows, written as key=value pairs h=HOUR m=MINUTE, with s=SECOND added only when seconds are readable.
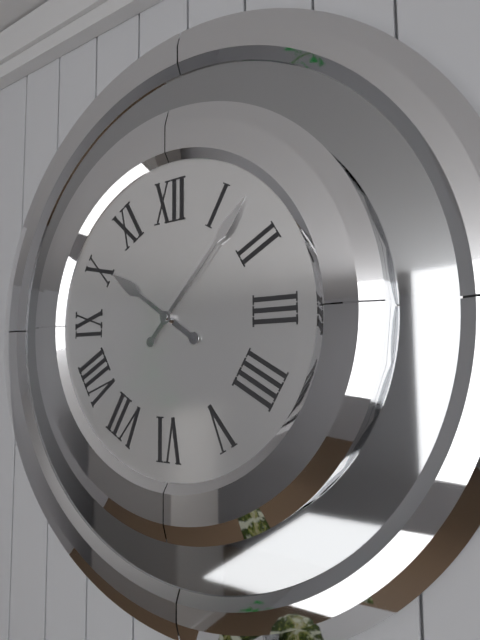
h=10 m=7
